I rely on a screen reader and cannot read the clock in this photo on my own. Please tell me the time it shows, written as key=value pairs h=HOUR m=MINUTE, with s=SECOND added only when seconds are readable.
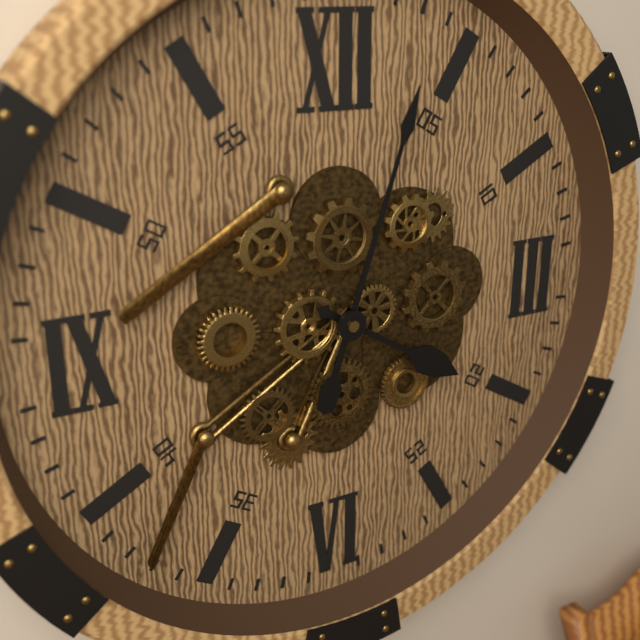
h=4 m=3
